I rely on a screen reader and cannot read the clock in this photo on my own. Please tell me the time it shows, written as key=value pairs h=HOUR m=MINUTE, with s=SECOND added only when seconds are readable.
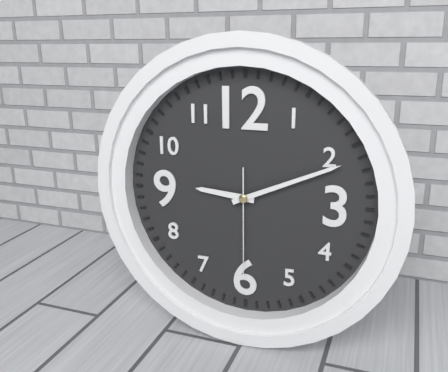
h=9 m=11 s=30
